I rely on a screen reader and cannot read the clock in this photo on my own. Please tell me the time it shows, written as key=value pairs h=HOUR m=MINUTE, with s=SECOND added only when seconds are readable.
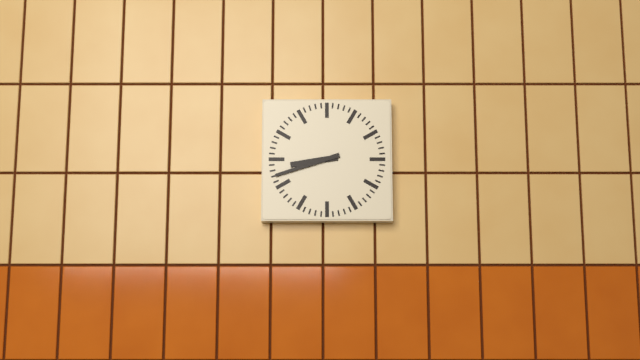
h=8 m=42
